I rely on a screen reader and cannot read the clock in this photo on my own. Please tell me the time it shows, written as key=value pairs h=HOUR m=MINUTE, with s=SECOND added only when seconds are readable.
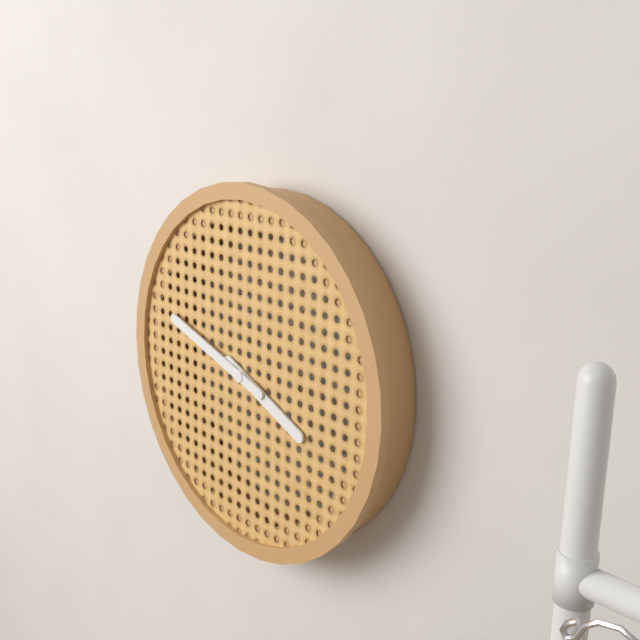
h=3 m=48
